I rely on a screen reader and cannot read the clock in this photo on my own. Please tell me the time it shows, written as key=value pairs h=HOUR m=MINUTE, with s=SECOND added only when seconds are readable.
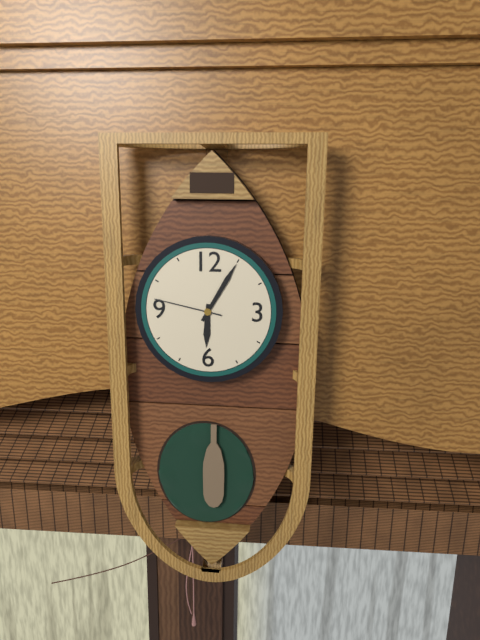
h=6 m=5 s=47
